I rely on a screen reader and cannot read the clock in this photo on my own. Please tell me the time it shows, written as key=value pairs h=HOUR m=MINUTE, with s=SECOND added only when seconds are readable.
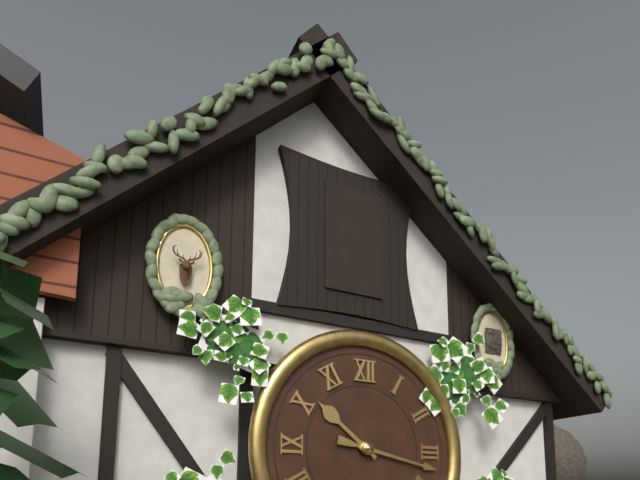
h=10 m=17
